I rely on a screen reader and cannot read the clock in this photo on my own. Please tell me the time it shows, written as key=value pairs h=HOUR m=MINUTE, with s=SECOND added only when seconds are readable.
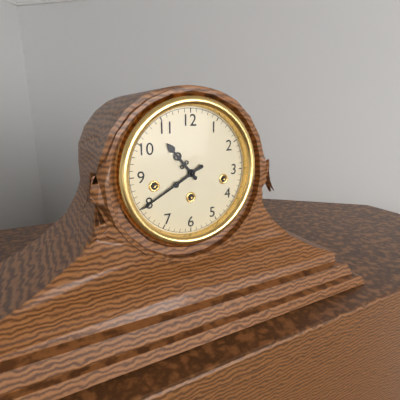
h=10 m=40
